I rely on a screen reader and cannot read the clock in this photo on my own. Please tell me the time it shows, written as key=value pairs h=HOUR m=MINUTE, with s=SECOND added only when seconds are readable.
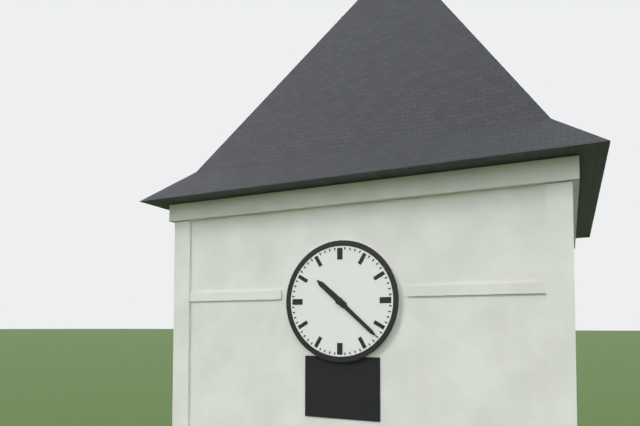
h=10 m=22
